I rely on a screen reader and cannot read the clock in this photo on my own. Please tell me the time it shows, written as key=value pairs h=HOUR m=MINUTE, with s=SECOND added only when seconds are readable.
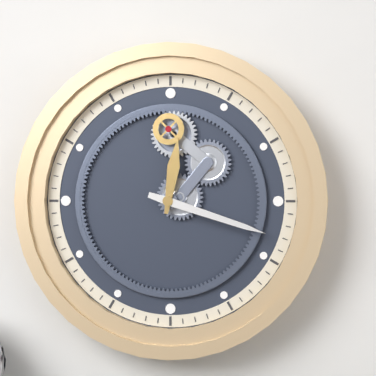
h=12 m=18
